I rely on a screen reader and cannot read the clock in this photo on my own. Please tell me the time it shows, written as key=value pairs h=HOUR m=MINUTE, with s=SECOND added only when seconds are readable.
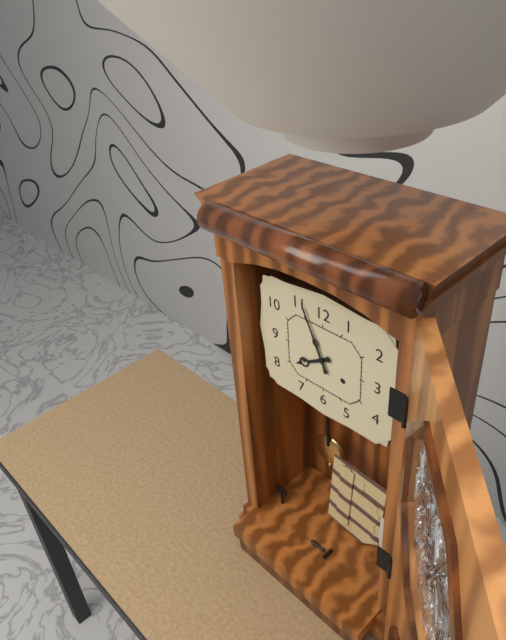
h=7 m=56
